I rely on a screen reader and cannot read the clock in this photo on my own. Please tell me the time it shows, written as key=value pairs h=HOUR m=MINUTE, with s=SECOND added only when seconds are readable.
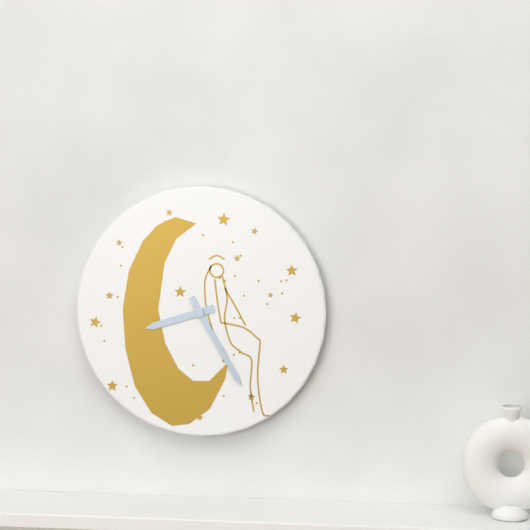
h=8 m=25
